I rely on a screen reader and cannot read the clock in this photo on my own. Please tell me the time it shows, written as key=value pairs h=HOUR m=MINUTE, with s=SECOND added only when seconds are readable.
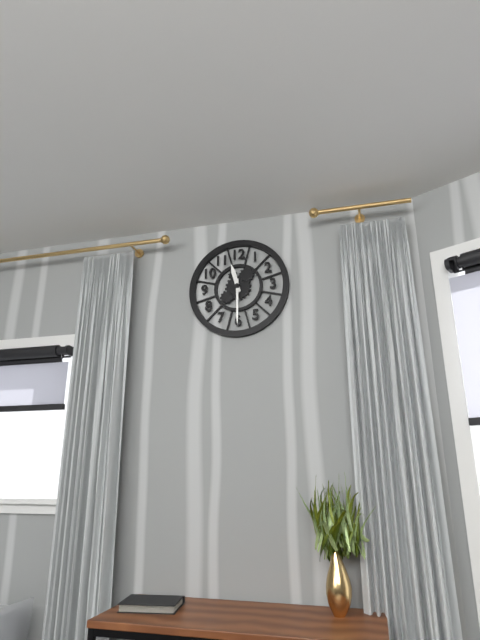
h=11 m=30
